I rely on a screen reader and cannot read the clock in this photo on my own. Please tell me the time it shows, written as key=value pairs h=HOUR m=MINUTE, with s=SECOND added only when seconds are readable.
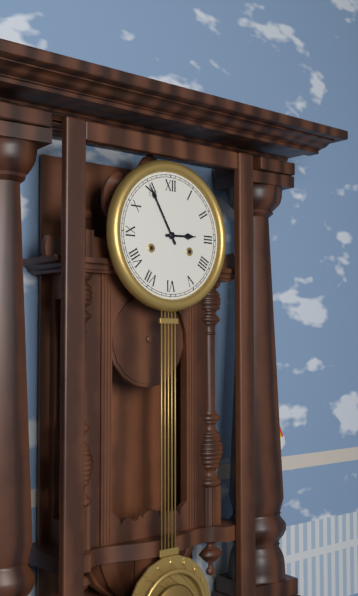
h=2 m=55
